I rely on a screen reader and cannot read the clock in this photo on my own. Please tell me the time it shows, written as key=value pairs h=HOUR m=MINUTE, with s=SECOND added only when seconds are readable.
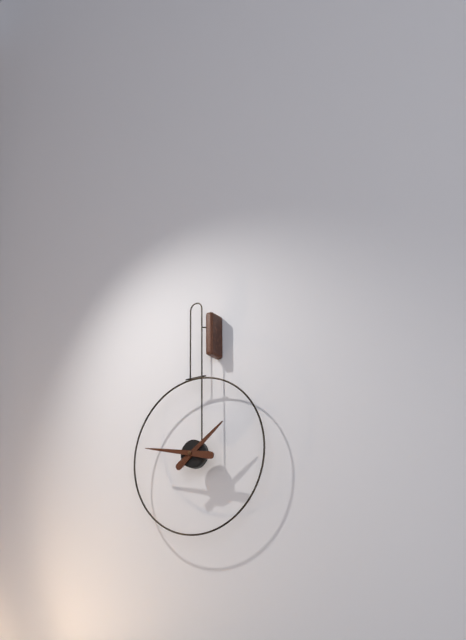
h=1 m=47
